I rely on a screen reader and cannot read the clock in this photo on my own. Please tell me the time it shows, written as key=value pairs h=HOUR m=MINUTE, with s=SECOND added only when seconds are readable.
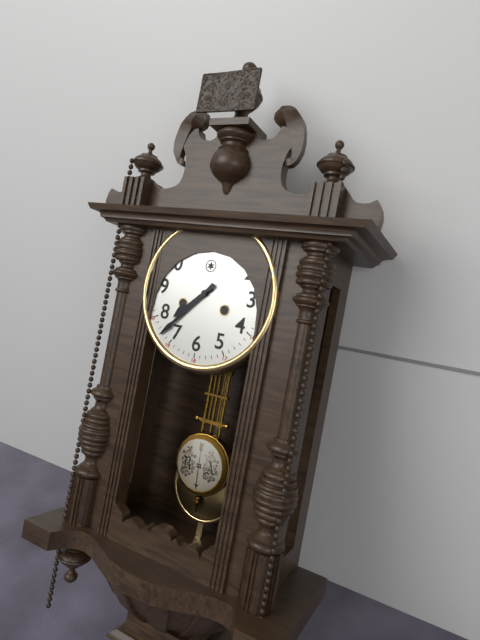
h=7 m=37
